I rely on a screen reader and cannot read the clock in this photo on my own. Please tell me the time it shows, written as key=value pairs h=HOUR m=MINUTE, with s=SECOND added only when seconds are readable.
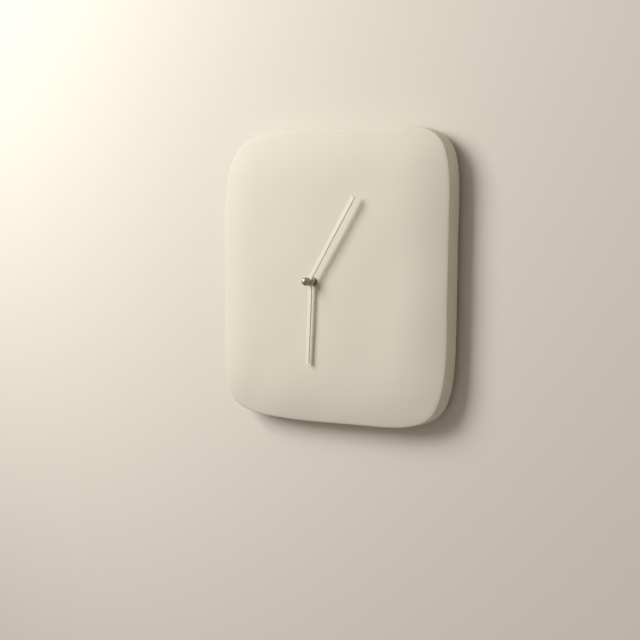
h=6 m=6
